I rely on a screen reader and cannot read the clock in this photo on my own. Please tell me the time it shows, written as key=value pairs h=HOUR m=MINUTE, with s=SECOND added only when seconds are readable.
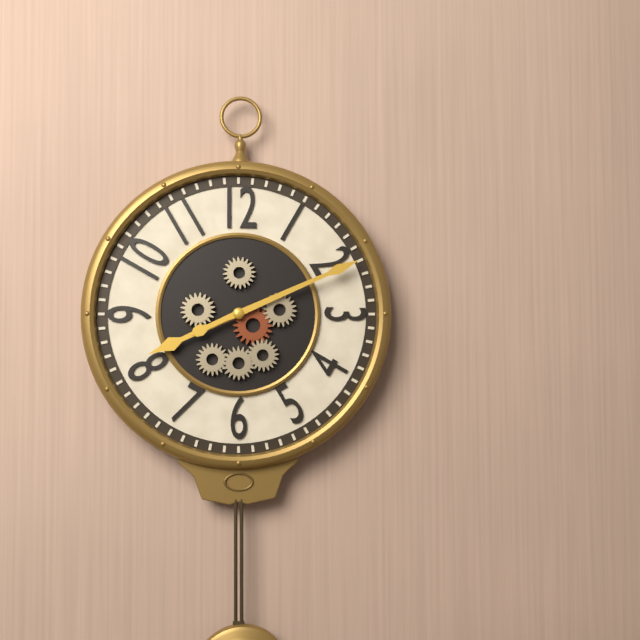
h=8 m=11
